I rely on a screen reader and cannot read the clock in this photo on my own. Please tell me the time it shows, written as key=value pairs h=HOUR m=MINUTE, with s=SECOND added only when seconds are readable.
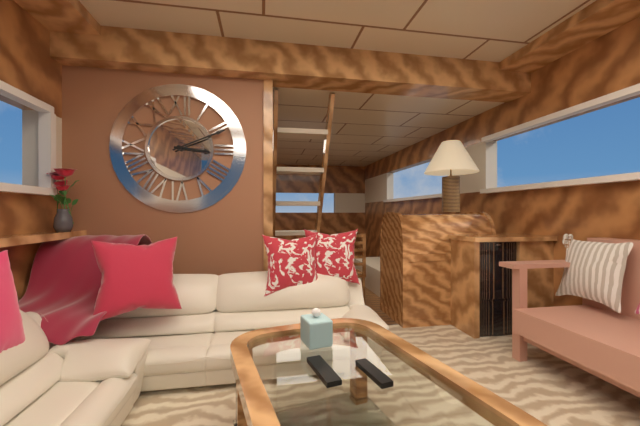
h=3 m=11
